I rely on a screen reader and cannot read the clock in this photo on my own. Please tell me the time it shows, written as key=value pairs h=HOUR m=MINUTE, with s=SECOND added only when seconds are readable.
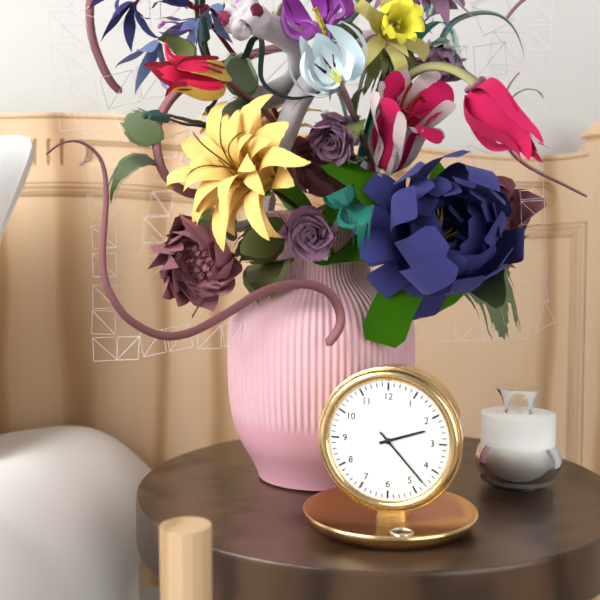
h=2 m=23
